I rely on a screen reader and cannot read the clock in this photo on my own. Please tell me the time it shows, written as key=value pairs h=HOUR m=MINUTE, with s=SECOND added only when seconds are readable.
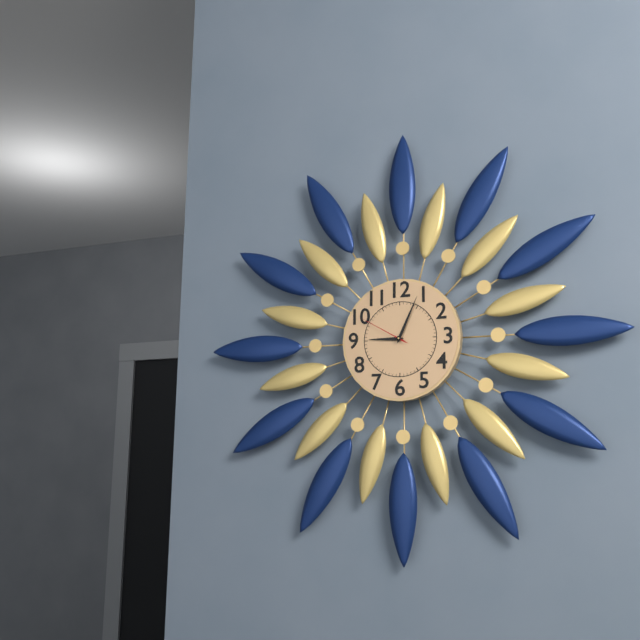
h=9 m=4 s=50
